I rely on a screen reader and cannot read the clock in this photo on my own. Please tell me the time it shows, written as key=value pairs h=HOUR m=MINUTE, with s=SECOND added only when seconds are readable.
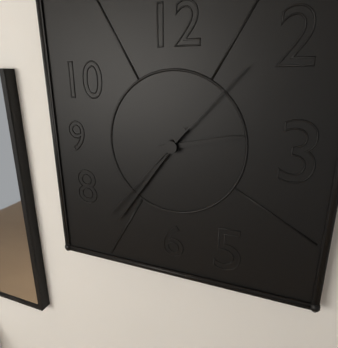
h=2 m=36 s=37
